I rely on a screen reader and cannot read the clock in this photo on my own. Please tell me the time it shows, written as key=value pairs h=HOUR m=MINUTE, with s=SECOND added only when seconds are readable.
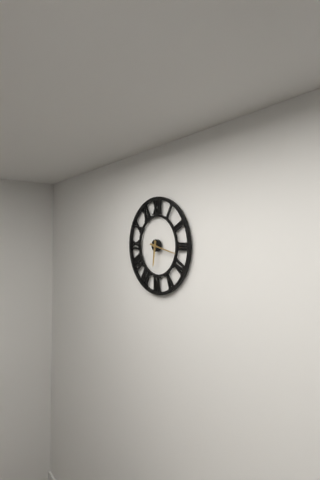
h=6 m=17
